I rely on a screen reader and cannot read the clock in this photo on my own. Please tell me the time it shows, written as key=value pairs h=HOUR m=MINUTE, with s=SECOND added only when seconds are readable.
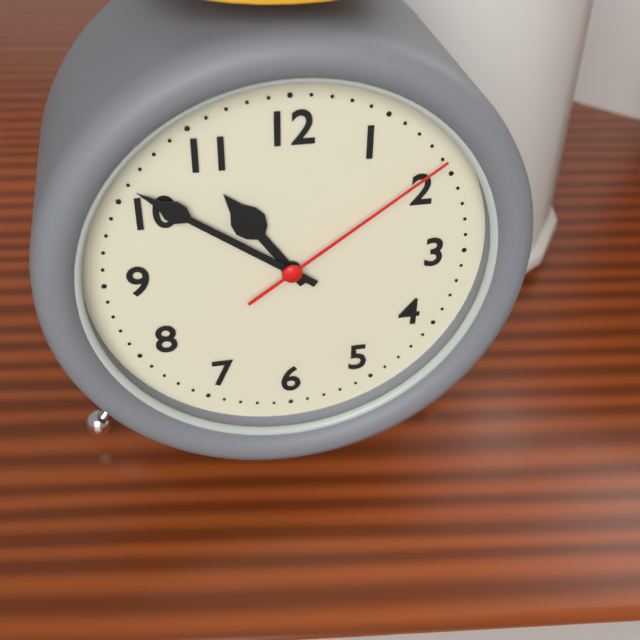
h=10 m=51 s=9
